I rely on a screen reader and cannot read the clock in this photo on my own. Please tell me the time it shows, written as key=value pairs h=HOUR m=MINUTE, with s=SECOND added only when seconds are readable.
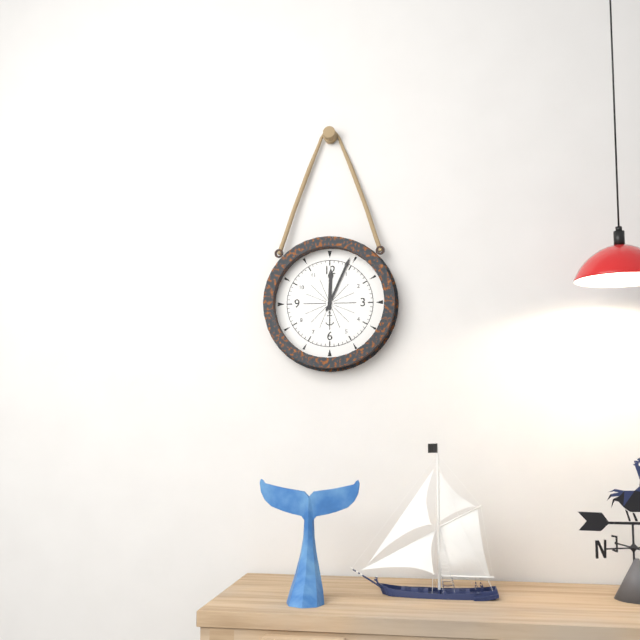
h=12 m=4
